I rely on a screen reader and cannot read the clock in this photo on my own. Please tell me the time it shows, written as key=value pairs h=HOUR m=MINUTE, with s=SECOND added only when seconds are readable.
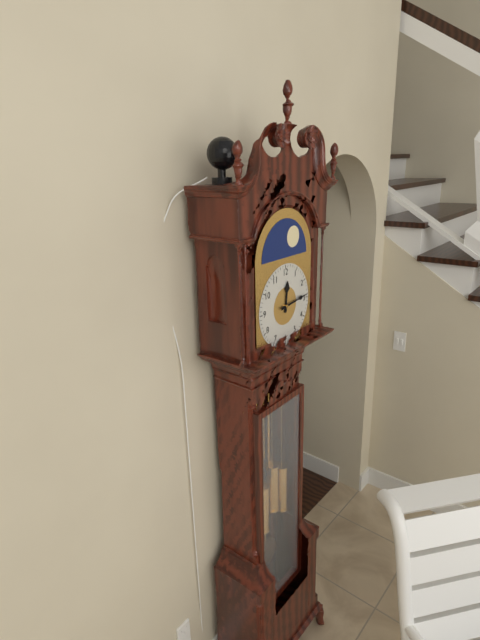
h=12 m=14
